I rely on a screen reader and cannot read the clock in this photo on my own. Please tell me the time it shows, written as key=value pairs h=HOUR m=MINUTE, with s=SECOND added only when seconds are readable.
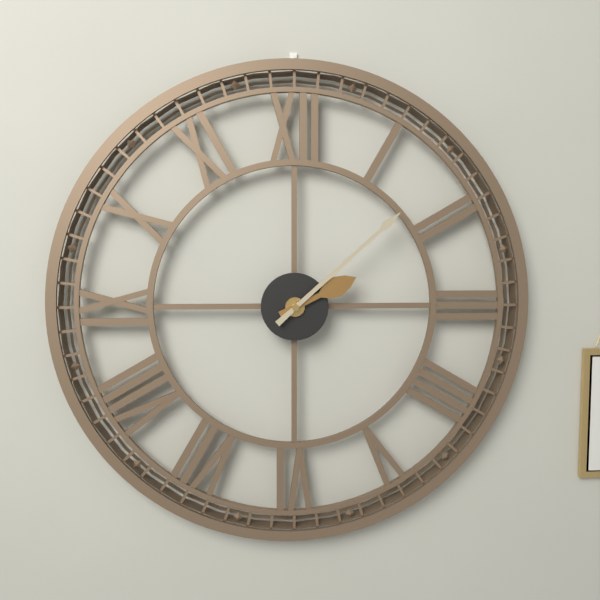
h=2 m=8
